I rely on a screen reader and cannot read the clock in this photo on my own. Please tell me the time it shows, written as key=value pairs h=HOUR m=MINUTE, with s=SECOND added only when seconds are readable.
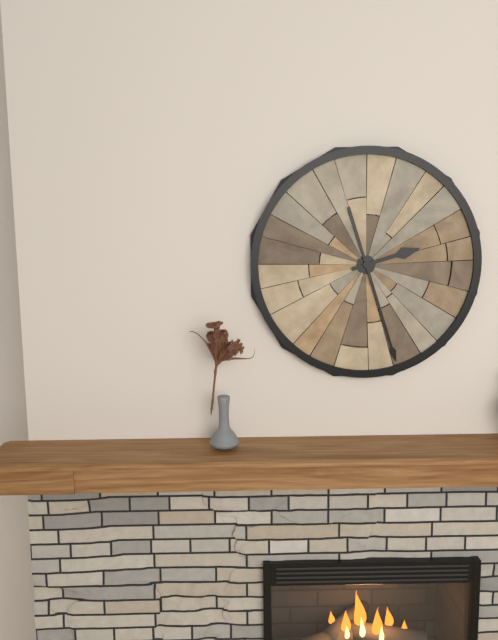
h=2 m=27
